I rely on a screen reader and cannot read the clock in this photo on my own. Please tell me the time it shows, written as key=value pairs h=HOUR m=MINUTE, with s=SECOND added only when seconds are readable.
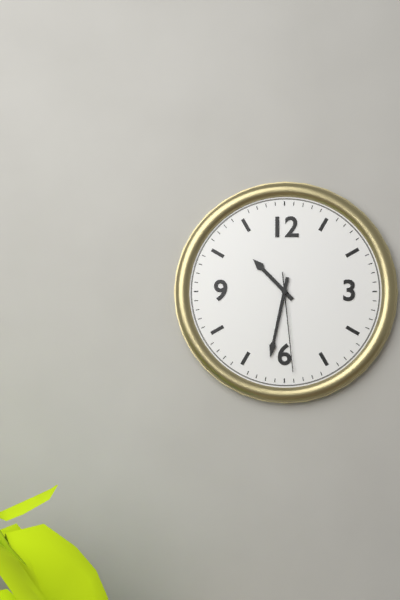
h=10 m=32 s=29
